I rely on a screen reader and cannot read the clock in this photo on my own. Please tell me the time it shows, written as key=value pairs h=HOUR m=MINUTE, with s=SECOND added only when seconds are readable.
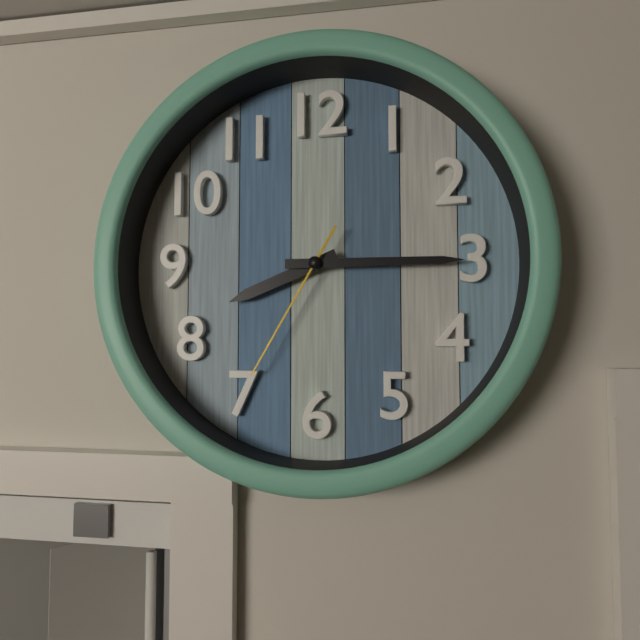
h=8 m=15 s=35
